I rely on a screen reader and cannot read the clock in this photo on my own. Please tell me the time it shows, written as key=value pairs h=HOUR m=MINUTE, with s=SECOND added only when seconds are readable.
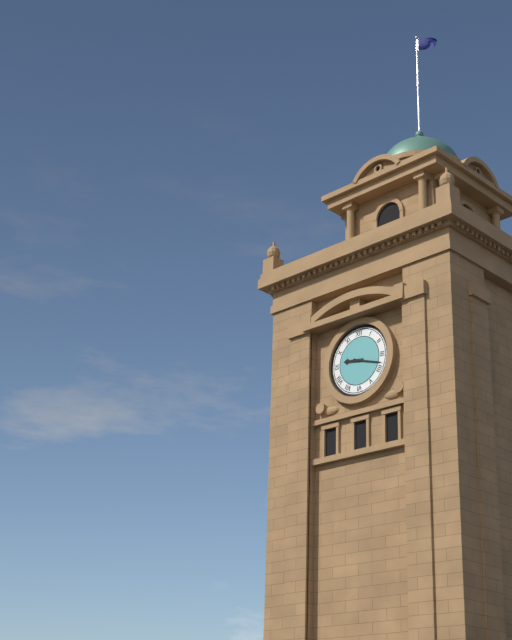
h=9 m=18
